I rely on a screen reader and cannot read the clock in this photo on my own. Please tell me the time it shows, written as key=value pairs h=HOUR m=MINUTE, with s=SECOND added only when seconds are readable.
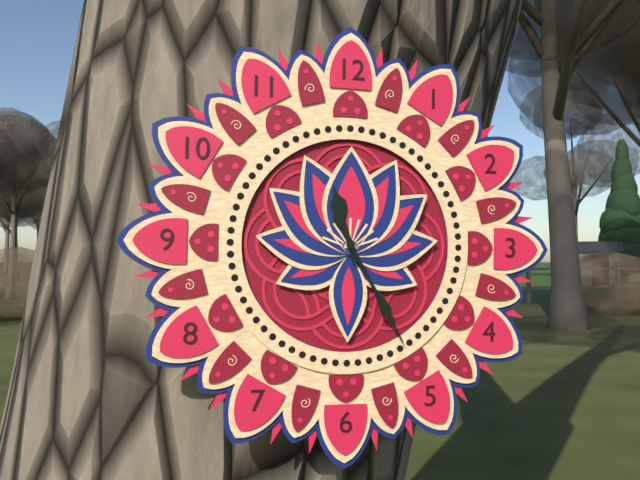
h=11 m=25
